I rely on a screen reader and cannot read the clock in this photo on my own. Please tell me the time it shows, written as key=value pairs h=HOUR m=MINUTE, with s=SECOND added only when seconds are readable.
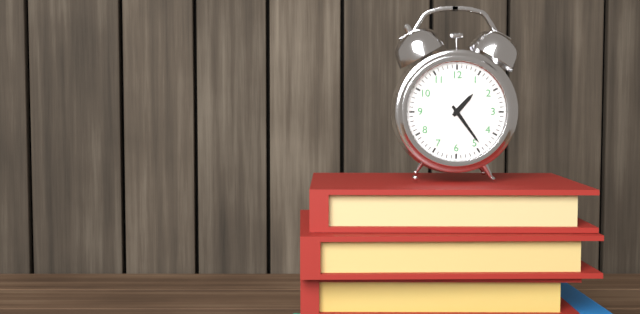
h=1 m=24
